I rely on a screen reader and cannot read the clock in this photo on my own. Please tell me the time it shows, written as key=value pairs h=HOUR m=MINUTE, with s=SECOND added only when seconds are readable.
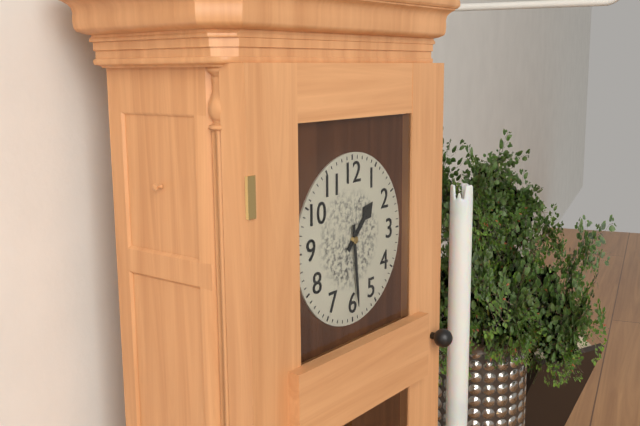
h=1 m=29
